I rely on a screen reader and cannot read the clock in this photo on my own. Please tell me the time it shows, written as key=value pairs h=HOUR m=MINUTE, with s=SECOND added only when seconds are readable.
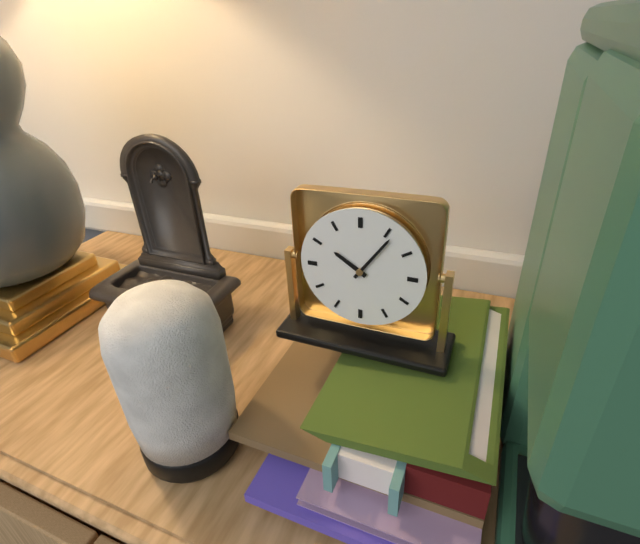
h=10 m=6
